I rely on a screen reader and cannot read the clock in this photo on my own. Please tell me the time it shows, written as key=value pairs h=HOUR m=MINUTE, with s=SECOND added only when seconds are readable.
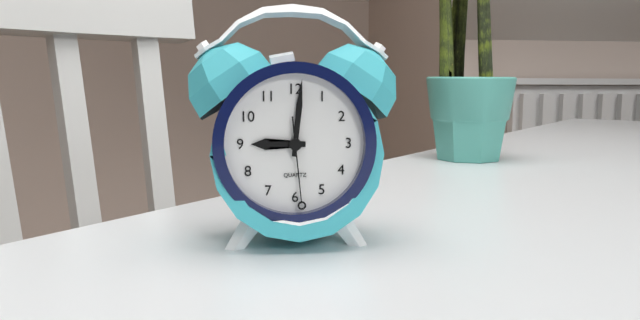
h=9 m=1 s=29
